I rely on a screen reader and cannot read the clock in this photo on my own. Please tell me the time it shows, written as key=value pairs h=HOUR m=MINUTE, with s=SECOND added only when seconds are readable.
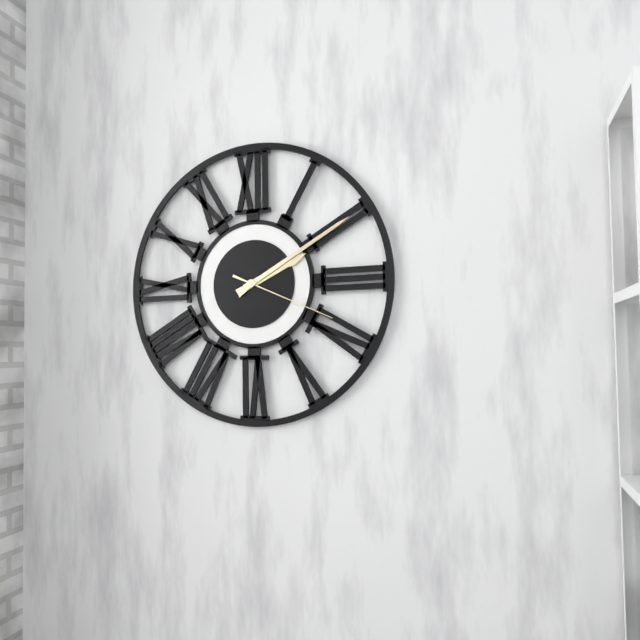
h=2 m=10 s=19
